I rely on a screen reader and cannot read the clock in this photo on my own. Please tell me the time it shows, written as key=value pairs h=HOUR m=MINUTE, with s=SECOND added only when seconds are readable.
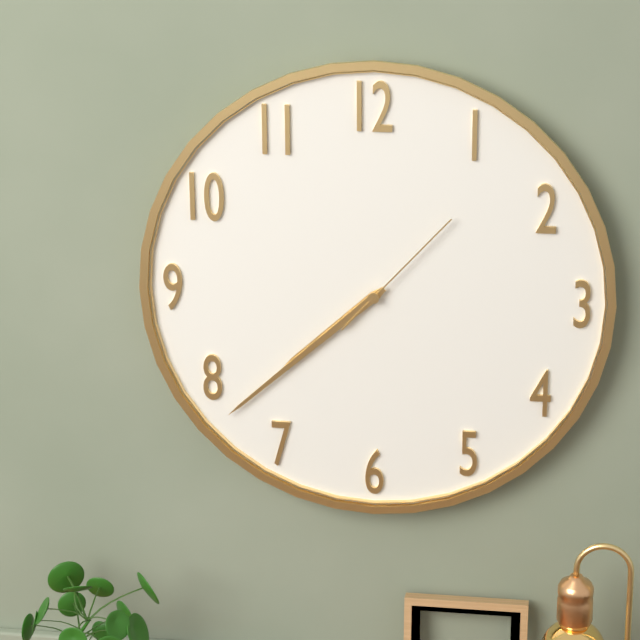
h=7 m=38 s=7
